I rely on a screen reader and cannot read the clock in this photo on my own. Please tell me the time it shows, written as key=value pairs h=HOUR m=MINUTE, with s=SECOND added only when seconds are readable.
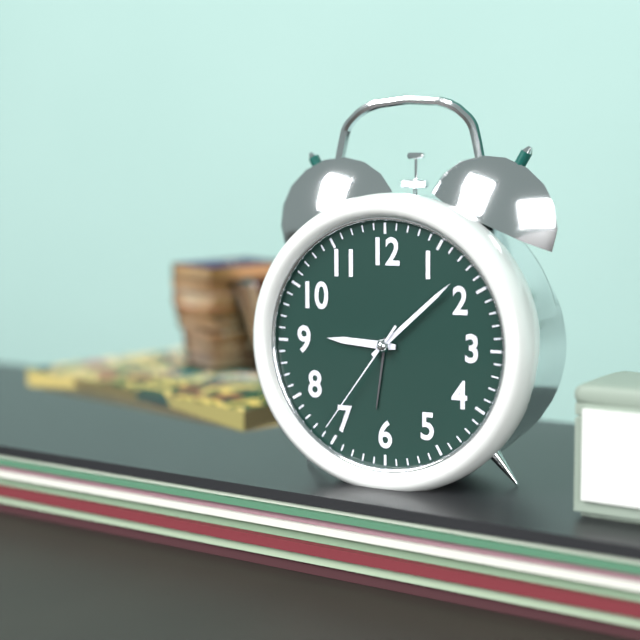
h=9 m=8 s=36
